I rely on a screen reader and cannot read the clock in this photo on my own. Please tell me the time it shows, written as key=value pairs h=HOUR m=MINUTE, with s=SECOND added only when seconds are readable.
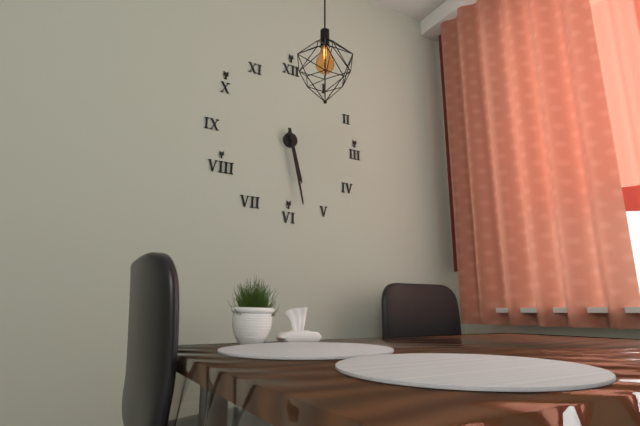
h=5 m=28
